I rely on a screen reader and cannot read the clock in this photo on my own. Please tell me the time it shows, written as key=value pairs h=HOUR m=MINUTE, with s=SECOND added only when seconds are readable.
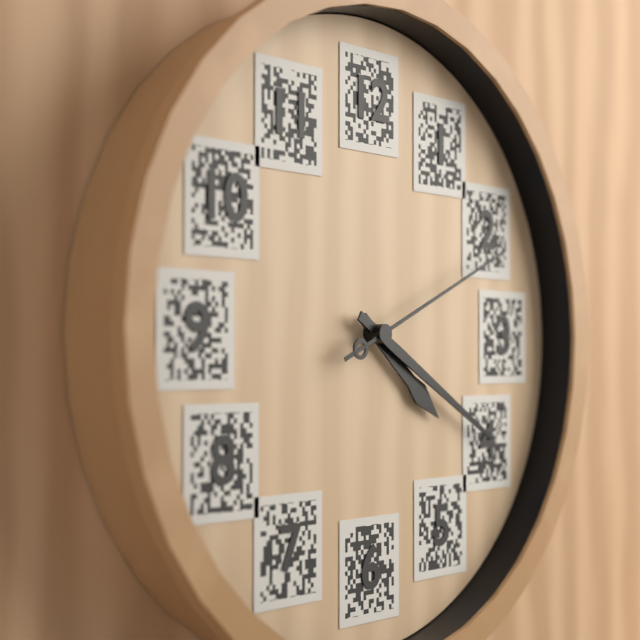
h=4 m=20 s=11
